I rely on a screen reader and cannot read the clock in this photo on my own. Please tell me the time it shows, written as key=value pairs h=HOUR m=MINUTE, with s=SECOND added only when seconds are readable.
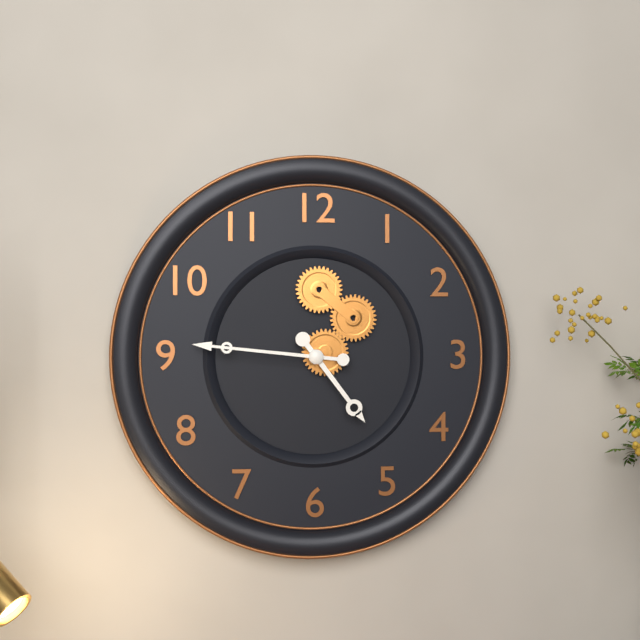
h=4 m=46
